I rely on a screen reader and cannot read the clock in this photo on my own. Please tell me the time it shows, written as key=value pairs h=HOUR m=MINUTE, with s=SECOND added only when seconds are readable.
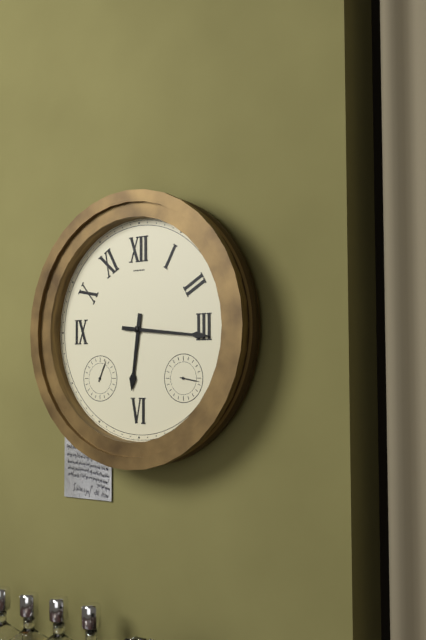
h=6 m=16
